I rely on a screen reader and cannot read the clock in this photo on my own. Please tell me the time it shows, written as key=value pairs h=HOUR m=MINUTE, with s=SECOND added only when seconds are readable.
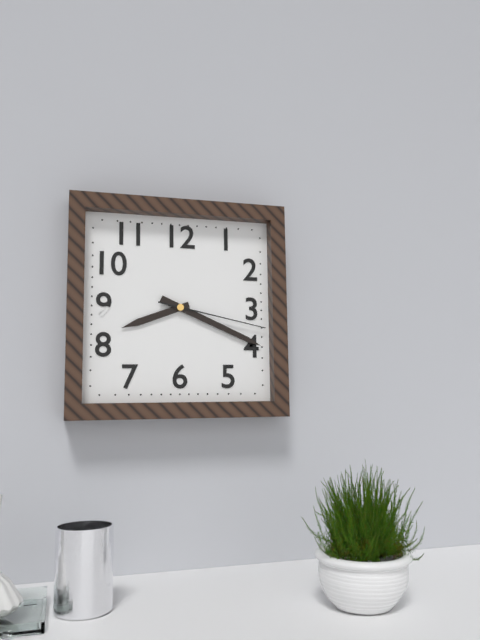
h=8 m=19 s=17
